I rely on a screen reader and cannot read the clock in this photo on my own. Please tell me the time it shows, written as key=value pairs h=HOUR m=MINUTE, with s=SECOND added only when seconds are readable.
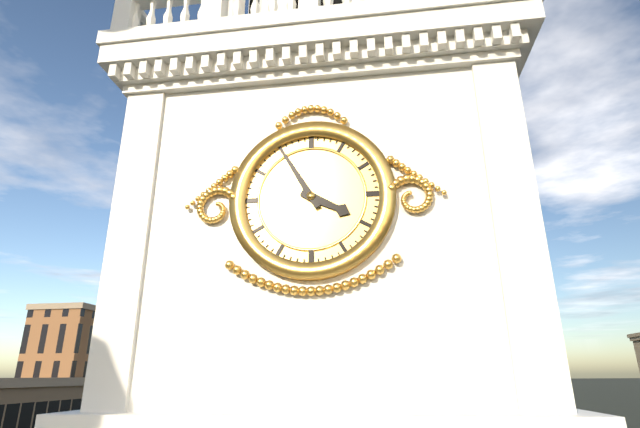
h=3 m=55
